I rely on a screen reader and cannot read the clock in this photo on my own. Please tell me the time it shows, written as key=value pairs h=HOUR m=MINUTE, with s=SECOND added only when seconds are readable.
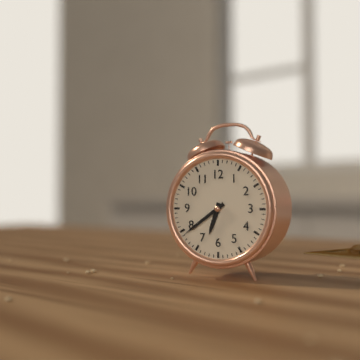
h=6 m=39
